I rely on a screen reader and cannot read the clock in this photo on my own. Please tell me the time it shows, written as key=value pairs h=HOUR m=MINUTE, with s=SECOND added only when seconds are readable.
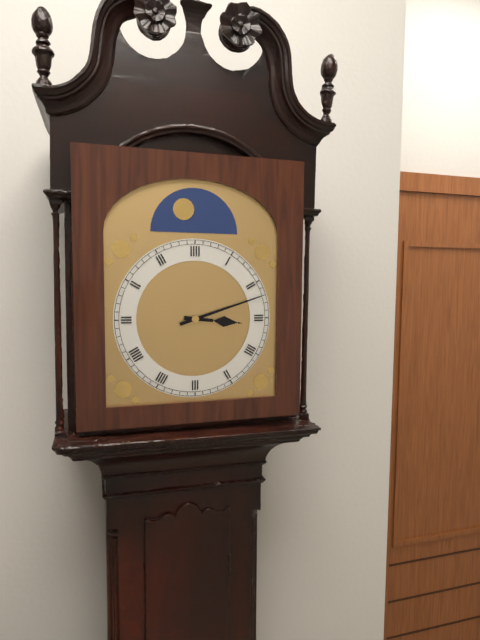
h=3 m=12
